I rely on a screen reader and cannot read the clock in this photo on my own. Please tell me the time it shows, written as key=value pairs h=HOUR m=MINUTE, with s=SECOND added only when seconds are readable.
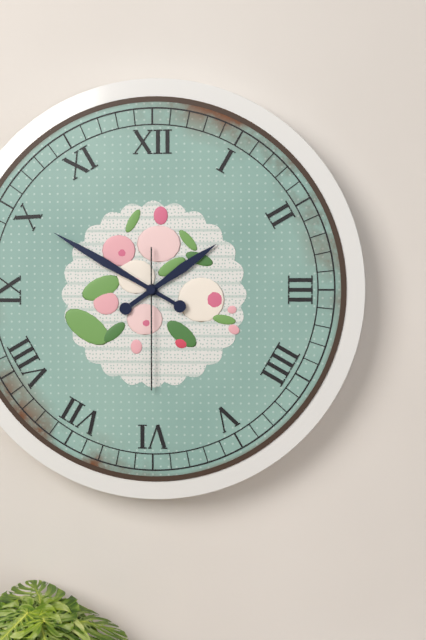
h=1 m=50 s=30
